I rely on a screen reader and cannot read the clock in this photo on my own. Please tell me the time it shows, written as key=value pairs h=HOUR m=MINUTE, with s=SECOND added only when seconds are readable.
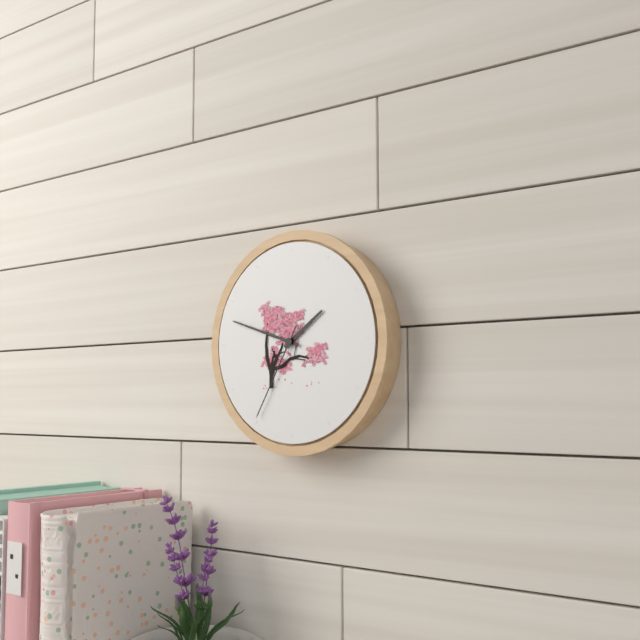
h=1 m=48 s=35
